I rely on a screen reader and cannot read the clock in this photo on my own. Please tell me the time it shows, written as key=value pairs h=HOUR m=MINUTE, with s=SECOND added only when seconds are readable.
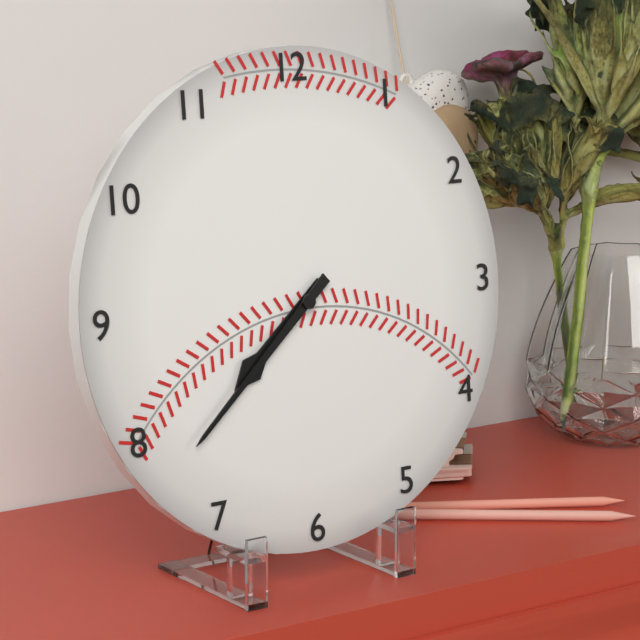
h=7 m=38
